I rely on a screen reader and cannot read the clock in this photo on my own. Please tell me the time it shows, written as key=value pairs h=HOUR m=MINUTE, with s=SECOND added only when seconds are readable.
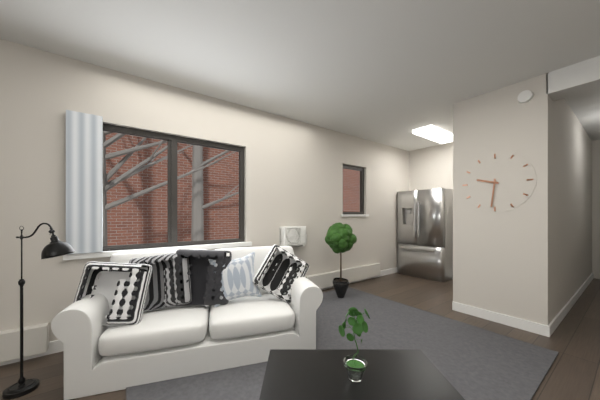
h=9 m=31
